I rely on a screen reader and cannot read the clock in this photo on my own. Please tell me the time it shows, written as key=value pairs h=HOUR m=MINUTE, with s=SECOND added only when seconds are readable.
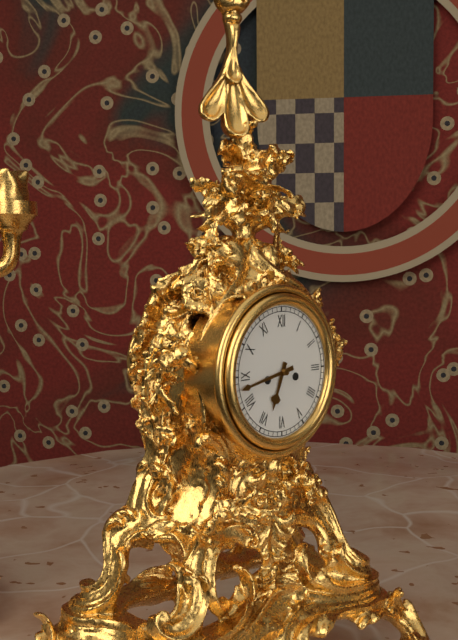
h=6 m=43
